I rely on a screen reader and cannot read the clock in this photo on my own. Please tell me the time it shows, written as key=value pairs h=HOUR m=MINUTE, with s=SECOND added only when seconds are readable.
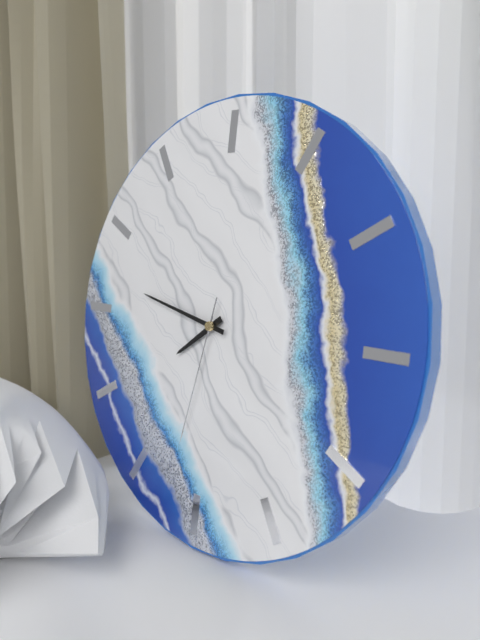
h=7 m=47 s=32
